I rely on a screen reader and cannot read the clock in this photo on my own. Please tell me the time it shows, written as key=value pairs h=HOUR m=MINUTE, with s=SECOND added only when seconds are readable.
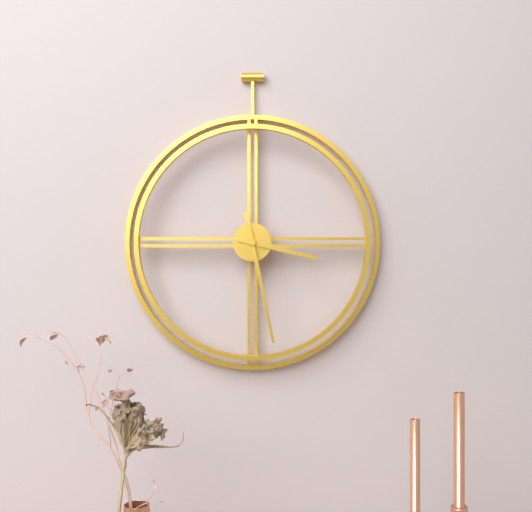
h=3 m=28
